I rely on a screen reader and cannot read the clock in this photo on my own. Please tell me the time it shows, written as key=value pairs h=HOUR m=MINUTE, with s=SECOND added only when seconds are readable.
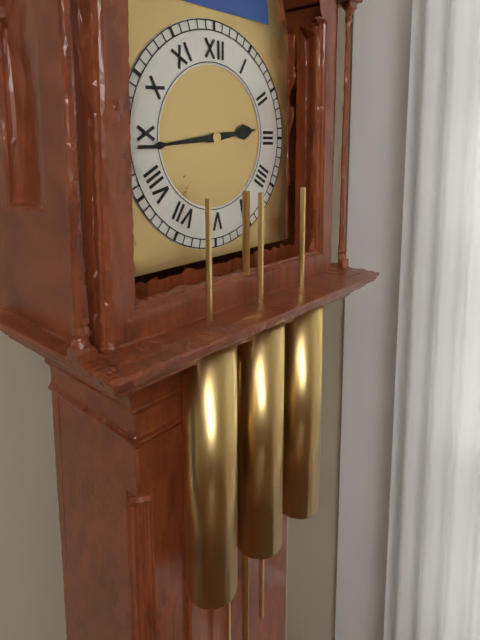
h=2 m=44
